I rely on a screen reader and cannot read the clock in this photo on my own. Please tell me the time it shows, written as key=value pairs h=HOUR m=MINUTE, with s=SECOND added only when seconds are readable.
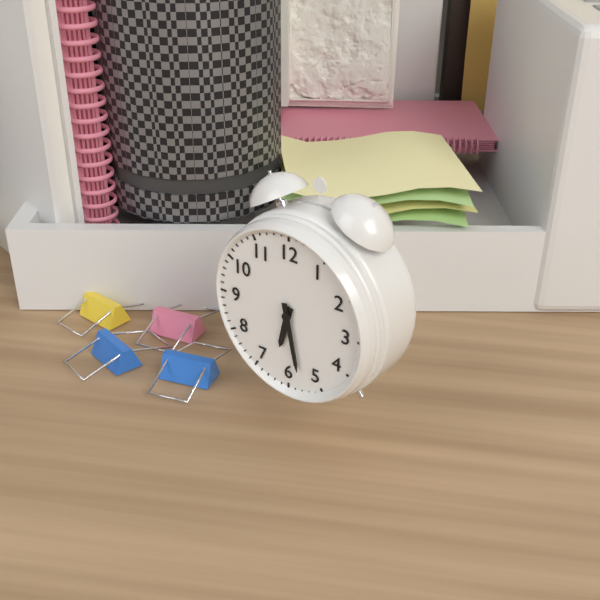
h=6 m=28
